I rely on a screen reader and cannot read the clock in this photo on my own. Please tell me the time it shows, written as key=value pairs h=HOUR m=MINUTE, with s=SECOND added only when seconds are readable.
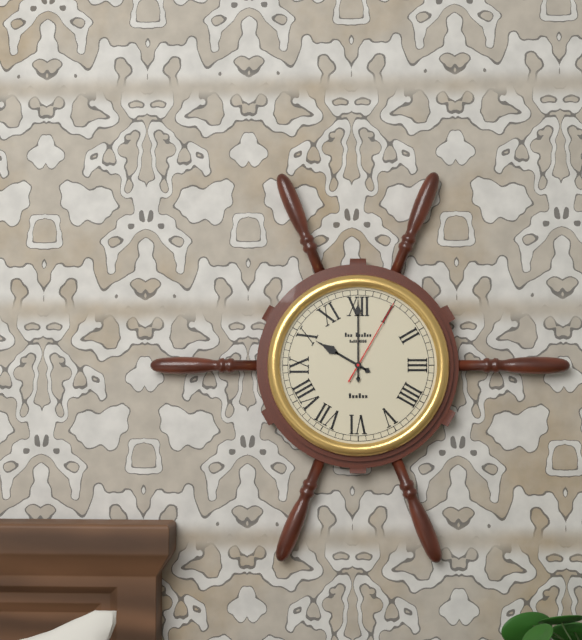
h=10 m=0 s=5
